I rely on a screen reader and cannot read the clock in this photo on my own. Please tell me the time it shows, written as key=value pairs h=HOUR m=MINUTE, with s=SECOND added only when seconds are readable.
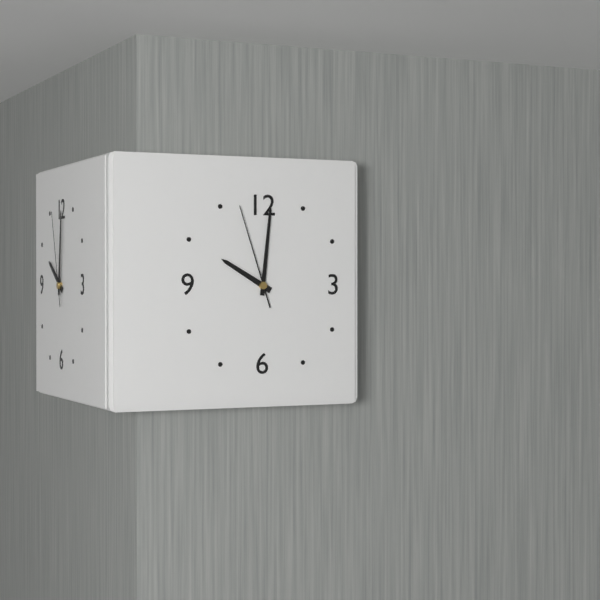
h=10 m=1 s=57
